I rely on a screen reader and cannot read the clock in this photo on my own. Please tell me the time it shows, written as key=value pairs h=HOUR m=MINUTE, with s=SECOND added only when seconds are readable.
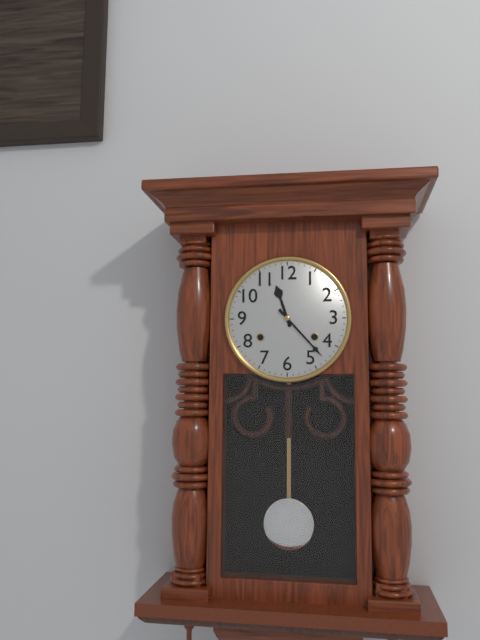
h=11 m=23
